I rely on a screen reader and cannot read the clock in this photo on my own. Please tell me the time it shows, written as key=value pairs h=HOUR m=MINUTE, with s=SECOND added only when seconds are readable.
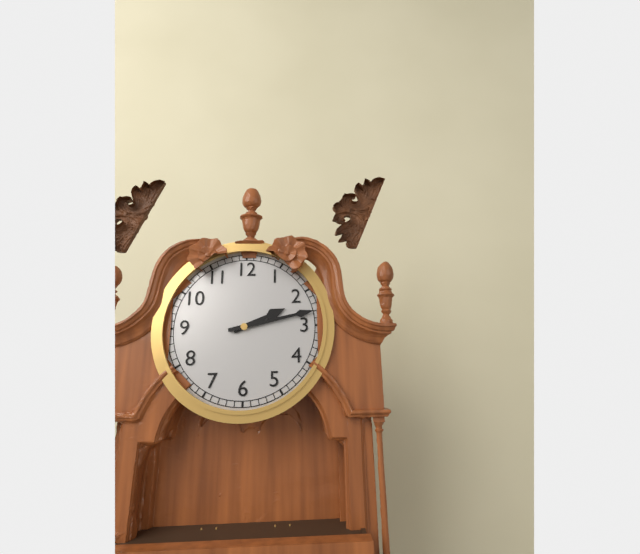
h=2 m=13
